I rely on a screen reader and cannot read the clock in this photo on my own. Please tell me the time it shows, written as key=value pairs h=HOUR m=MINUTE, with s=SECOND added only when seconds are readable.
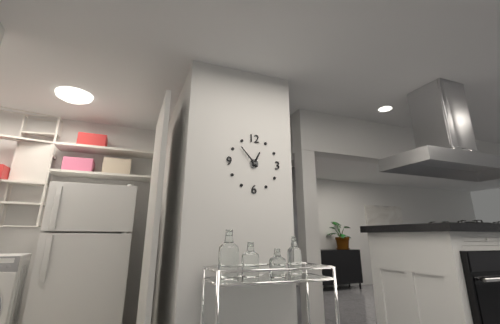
h=12 m=53
